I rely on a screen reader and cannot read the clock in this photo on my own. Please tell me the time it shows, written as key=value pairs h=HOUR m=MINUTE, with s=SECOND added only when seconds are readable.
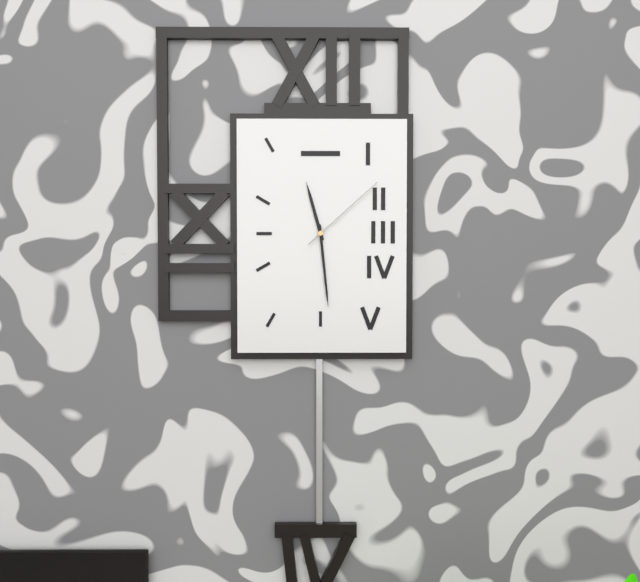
h=11 m=29 s=8
